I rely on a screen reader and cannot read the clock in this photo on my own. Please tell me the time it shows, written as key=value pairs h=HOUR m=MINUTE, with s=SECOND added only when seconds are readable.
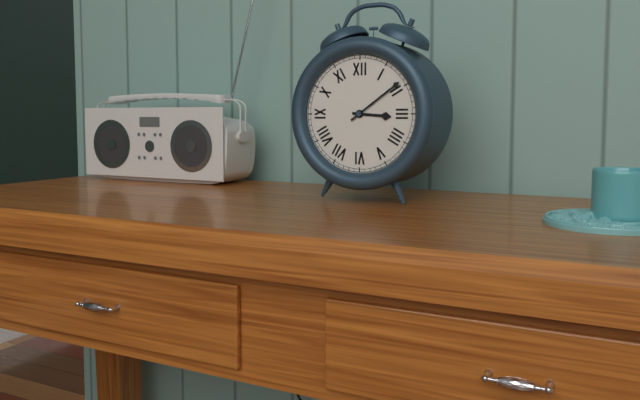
h=3 m=9
